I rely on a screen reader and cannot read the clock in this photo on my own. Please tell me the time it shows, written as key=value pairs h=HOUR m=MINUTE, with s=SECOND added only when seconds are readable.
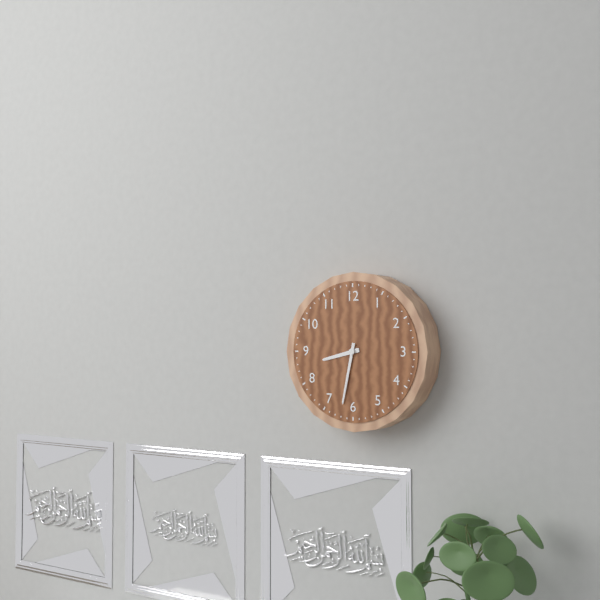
h=8 m=32
